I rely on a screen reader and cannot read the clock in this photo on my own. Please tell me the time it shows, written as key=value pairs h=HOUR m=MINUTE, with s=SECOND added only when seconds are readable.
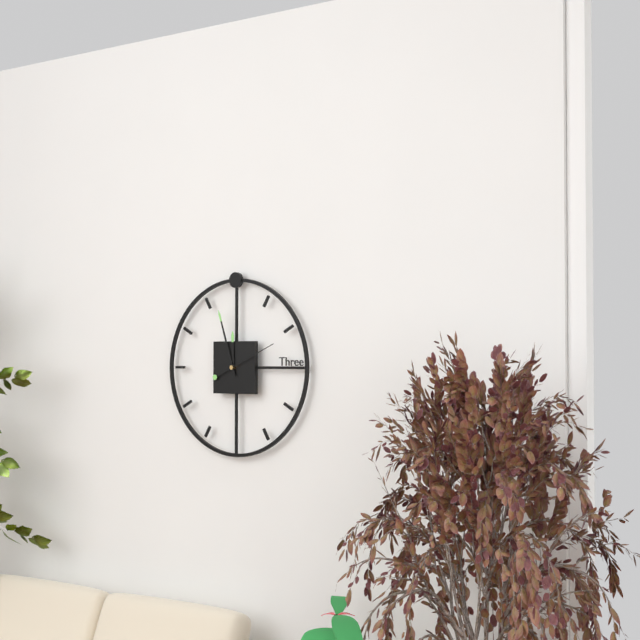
h=11 m=57 s=11
